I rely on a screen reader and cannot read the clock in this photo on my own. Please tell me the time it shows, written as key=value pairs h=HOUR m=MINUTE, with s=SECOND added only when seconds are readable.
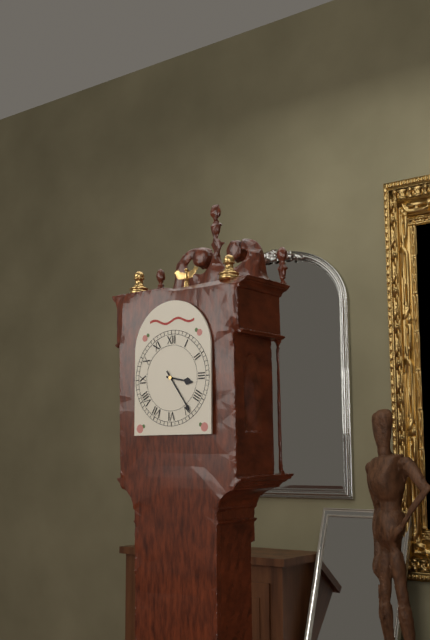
h=3 m=24
